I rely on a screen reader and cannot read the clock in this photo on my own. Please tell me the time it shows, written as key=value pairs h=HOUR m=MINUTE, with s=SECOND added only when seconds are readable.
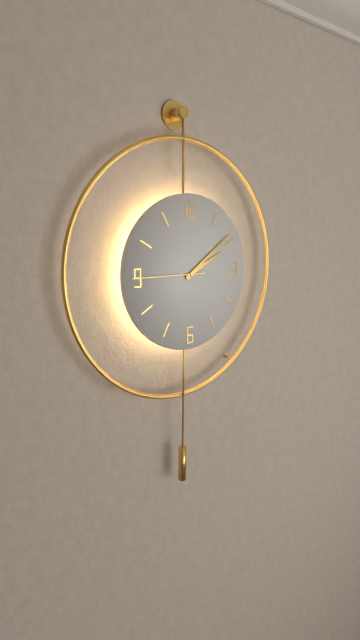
h=2 m=9 s=45
